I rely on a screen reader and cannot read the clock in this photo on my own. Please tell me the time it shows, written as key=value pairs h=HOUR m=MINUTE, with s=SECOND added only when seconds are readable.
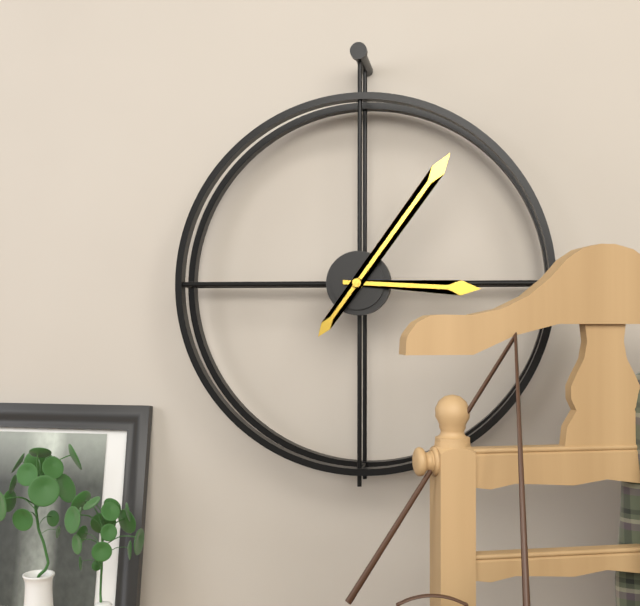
h=3 m=6
